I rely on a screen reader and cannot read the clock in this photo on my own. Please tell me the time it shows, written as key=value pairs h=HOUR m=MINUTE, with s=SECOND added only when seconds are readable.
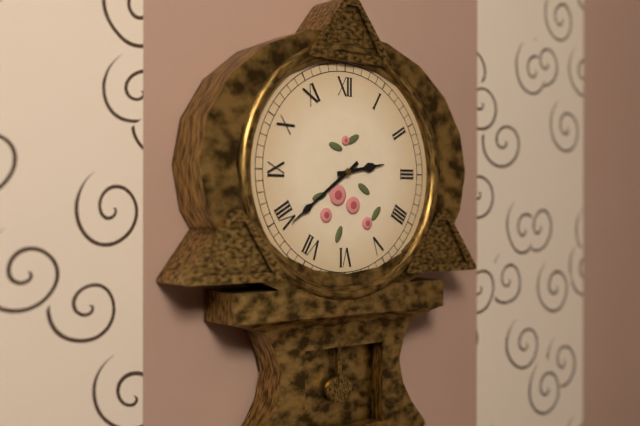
h=2 m=39
